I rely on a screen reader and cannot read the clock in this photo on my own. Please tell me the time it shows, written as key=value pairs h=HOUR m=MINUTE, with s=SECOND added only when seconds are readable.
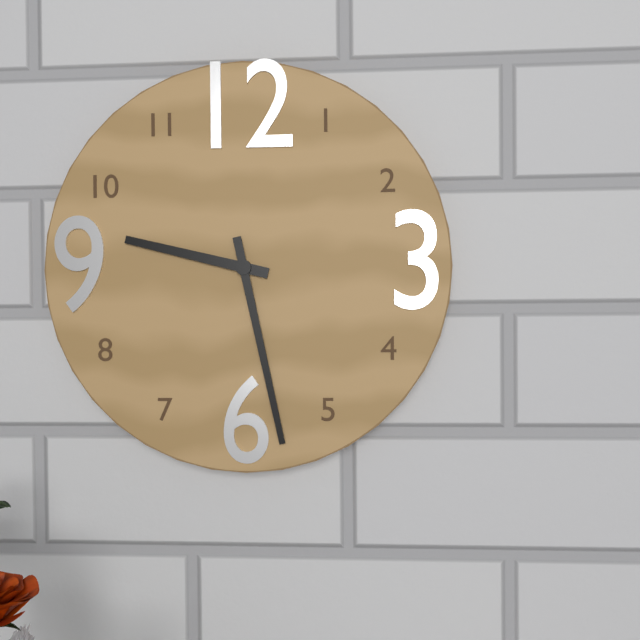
h=9 m=28
